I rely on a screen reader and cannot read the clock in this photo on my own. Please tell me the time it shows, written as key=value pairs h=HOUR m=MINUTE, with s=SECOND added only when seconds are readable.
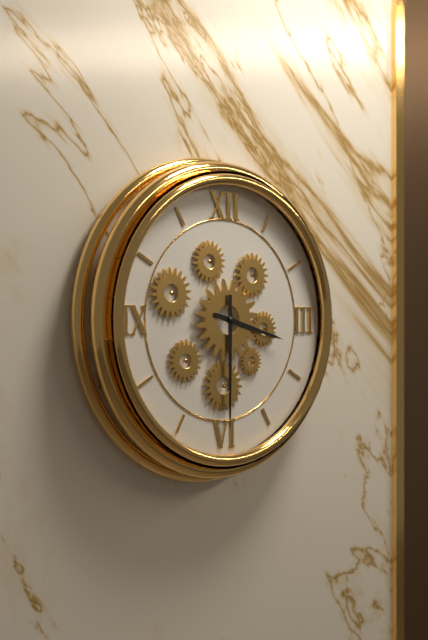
h=3 m=30
